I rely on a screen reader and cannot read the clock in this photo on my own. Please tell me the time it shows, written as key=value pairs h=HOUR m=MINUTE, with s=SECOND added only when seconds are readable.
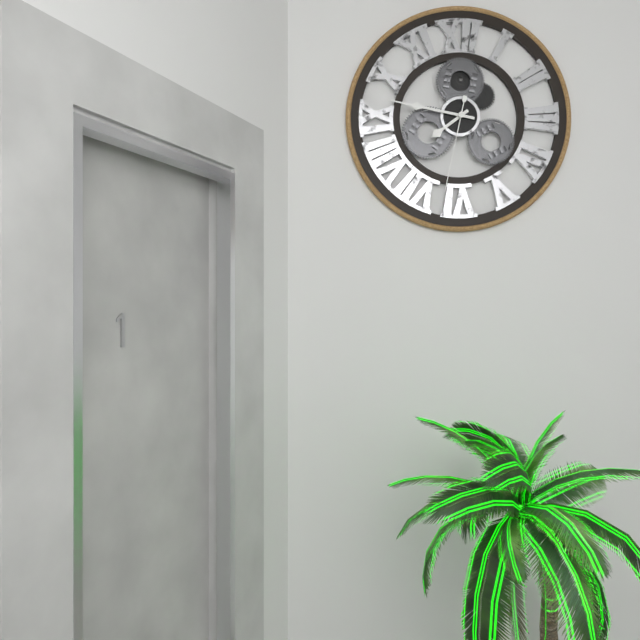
h=7 m=47 s=32
